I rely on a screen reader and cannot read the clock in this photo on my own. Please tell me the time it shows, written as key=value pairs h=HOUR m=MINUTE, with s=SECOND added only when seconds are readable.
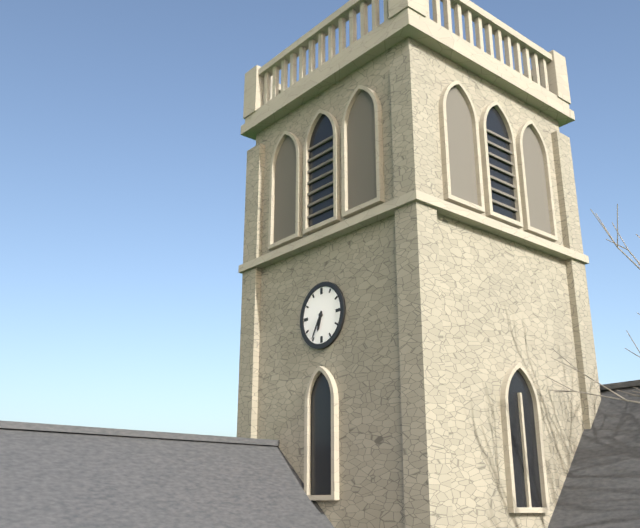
h=6 m=35
